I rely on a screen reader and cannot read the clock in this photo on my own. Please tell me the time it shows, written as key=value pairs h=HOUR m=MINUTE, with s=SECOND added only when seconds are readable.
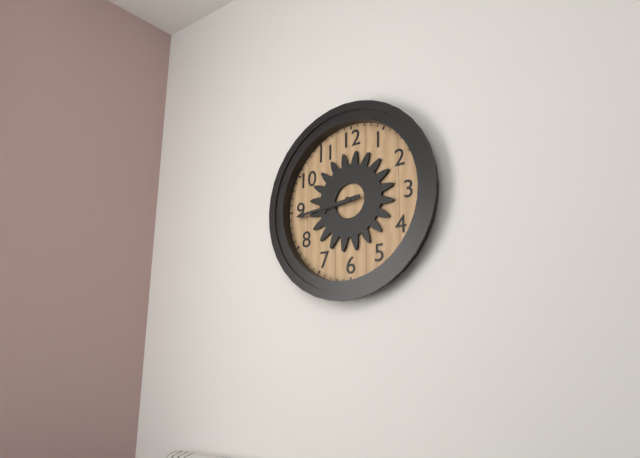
h=8 m=44
